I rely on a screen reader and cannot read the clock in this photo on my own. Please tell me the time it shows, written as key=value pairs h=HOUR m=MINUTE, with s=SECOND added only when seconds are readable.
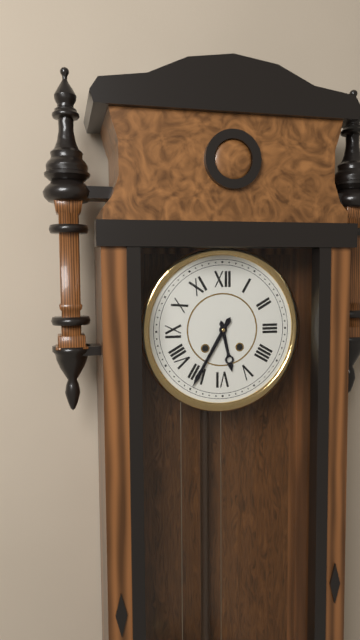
h=5 m=35
